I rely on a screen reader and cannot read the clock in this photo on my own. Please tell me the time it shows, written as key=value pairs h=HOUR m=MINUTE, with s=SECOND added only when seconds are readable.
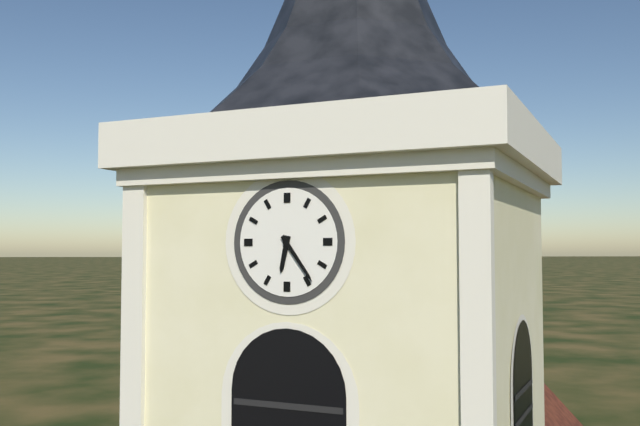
h=6 m=24
